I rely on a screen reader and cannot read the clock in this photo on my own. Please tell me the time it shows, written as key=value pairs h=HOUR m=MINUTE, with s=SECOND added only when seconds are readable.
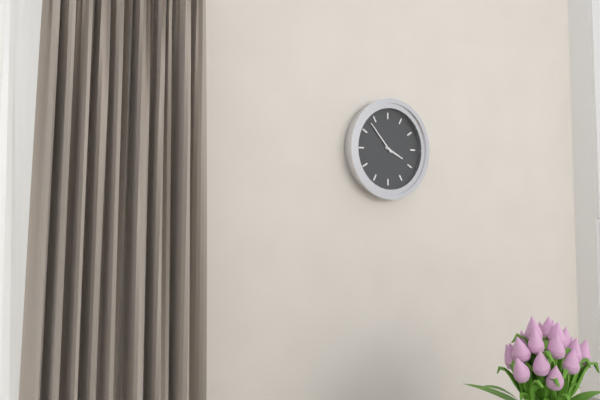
h=3 m=53
